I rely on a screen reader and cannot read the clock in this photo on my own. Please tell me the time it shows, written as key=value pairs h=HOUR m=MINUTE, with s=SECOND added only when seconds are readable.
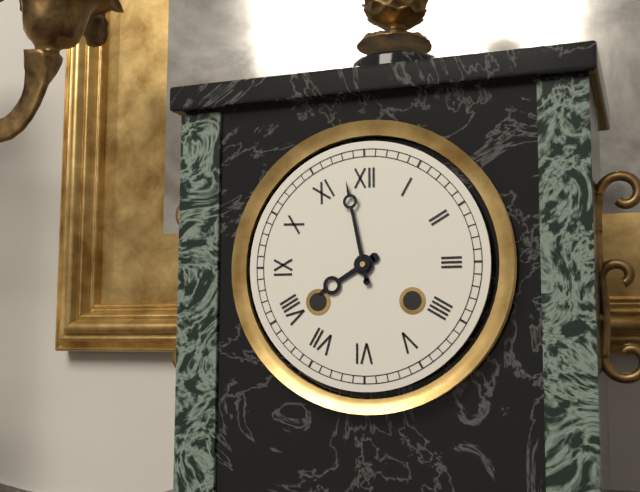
h=7 m=58
